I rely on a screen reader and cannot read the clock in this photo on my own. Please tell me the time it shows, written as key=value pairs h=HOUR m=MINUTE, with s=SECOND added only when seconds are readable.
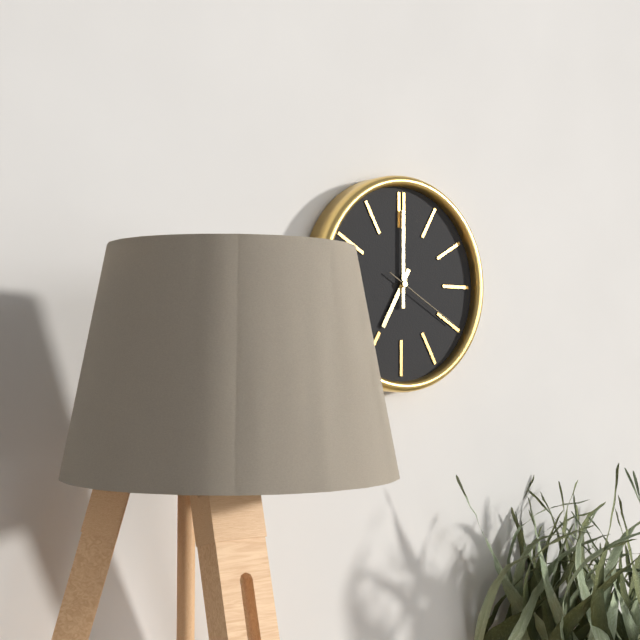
h=7 m=0 s=20
